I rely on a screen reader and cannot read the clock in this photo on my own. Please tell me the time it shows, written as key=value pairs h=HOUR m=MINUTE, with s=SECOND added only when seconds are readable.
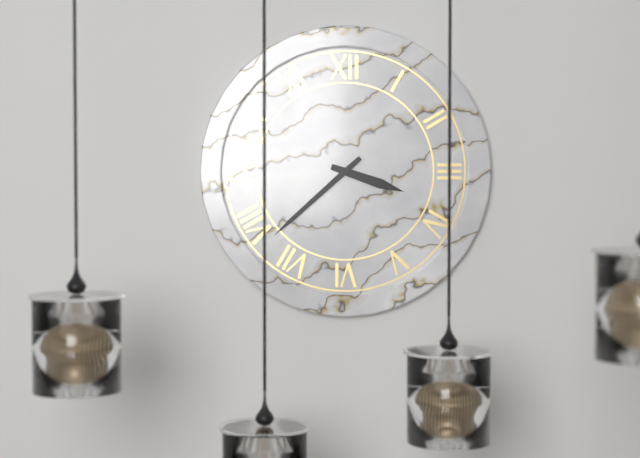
h=3 m=38
